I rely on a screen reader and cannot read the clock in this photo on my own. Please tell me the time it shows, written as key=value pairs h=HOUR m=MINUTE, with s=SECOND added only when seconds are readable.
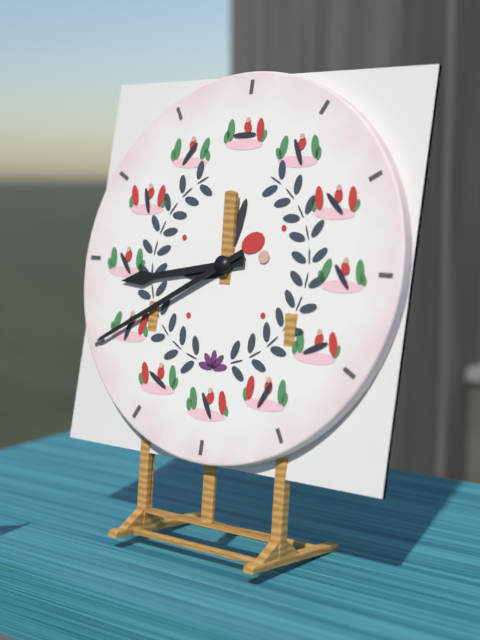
h=8 m=40
